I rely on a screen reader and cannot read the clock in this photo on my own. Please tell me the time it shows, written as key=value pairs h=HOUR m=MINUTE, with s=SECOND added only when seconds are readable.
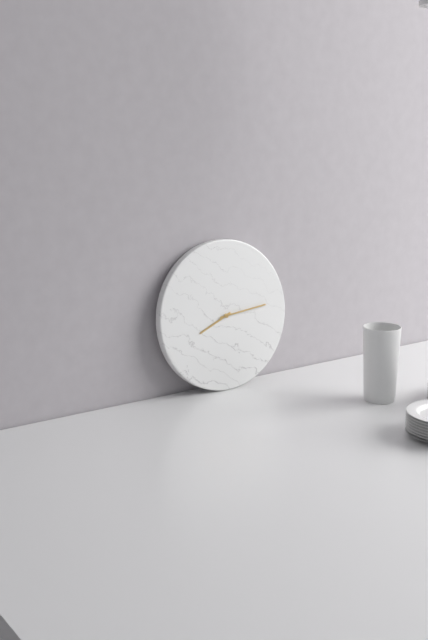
h=8 m=14
